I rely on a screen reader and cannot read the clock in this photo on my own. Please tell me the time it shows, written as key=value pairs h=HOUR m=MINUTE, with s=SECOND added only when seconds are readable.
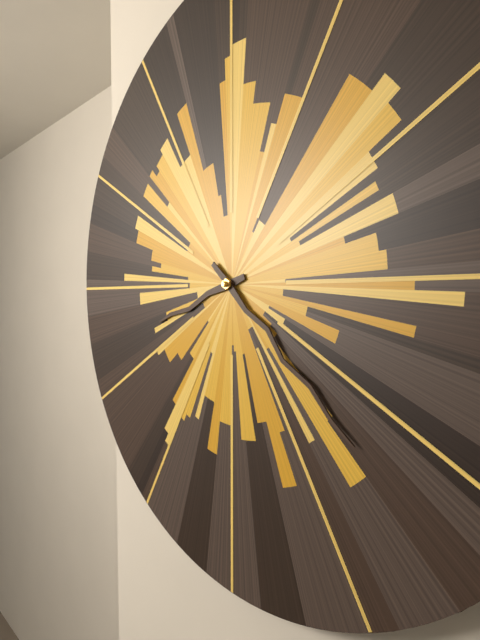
h=8 m=22
